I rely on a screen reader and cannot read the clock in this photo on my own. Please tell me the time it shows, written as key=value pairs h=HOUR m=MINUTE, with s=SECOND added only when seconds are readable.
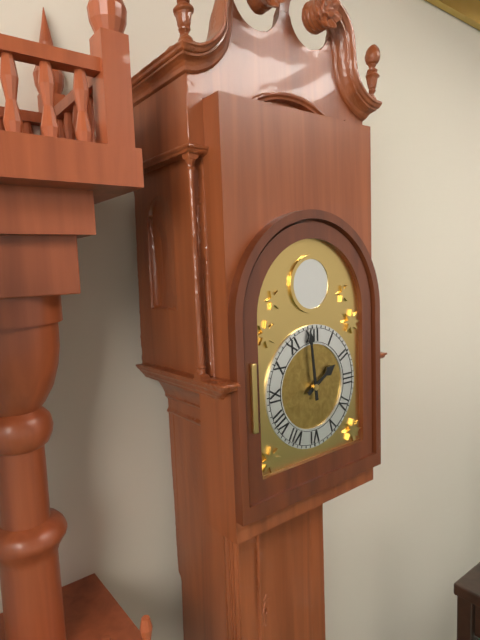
h=1 m=59
